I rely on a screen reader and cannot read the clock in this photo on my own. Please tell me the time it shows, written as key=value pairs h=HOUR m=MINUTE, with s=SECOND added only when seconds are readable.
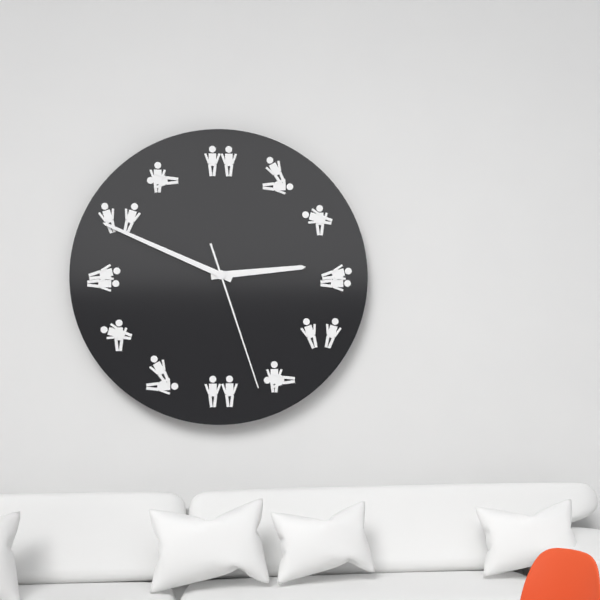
h=2 m=49 s=27
